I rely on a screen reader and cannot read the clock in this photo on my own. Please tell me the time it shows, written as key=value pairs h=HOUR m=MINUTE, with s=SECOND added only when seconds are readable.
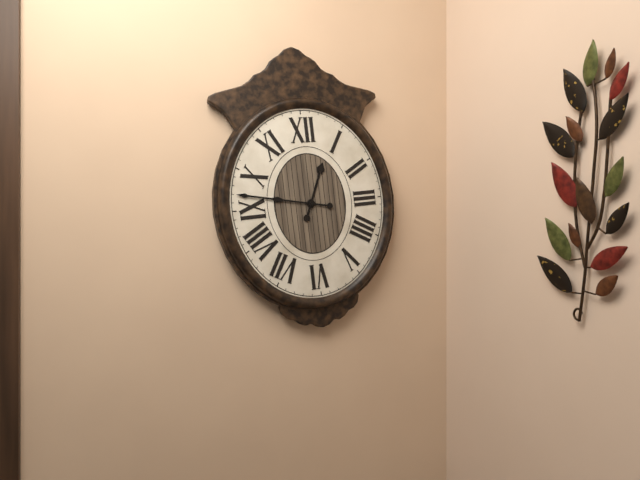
h=12 m=47
